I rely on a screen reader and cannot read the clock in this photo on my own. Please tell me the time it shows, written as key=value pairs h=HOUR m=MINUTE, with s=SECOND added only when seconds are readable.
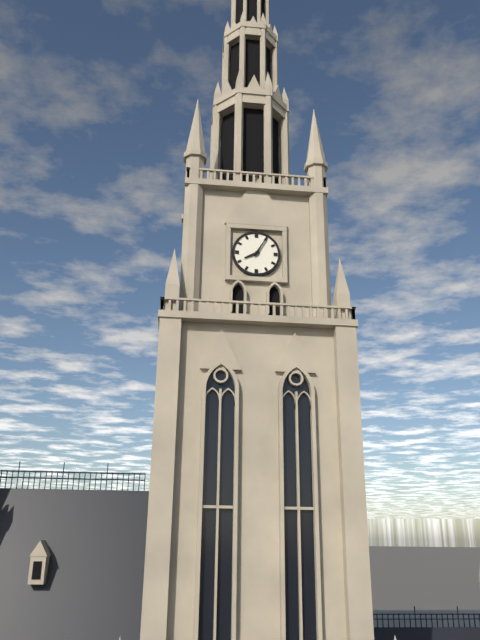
h=8 m=5
